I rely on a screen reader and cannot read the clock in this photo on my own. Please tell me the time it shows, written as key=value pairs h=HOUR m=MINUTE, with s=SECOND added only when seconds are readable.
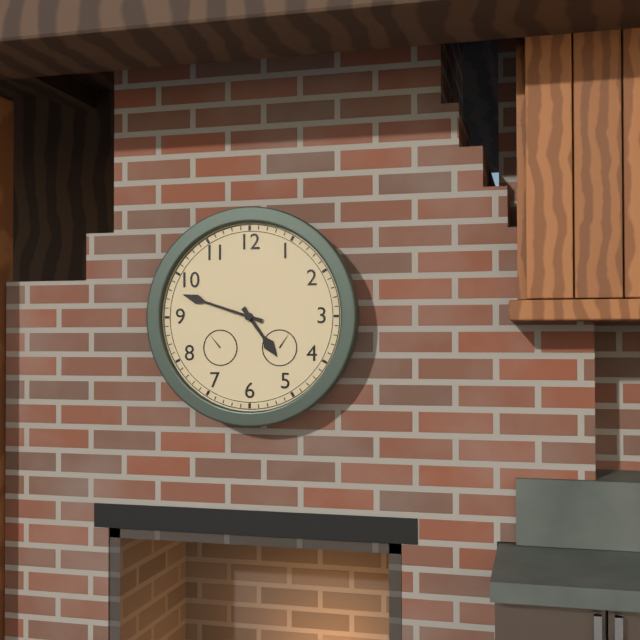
h=4 m=48
